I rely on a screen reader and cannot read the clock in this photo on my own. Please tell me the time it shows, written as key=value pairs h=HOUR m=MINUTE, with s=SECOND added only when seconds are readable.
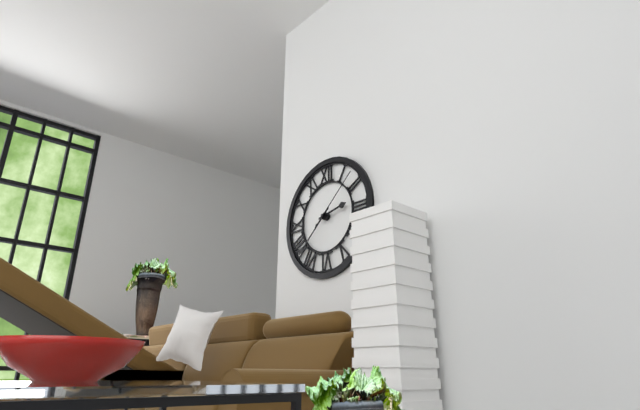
h=2 m=38 s=8
